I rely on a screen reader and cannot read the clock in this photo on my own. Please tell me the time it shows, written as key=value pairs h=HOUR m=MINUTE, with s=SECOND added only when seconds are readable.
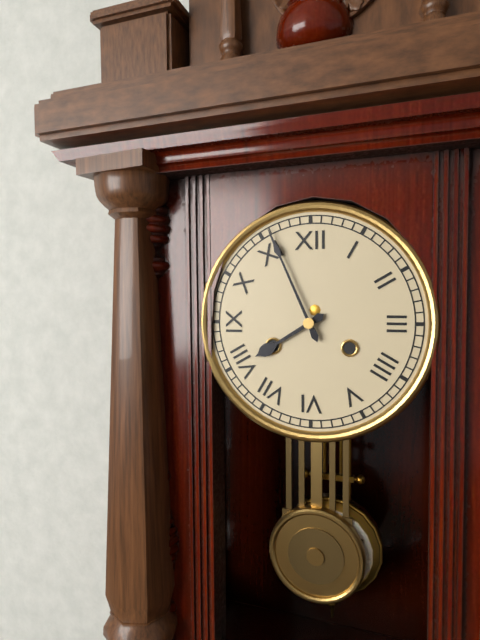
h=7 m=56
